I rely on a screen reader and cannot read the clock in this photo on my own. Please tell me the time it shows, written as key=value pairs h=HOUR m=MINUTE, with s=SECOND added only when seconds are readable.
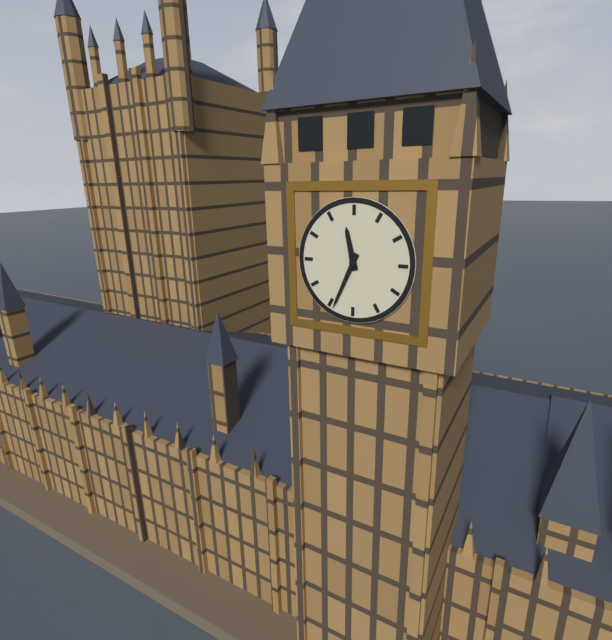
h=11 m=34
